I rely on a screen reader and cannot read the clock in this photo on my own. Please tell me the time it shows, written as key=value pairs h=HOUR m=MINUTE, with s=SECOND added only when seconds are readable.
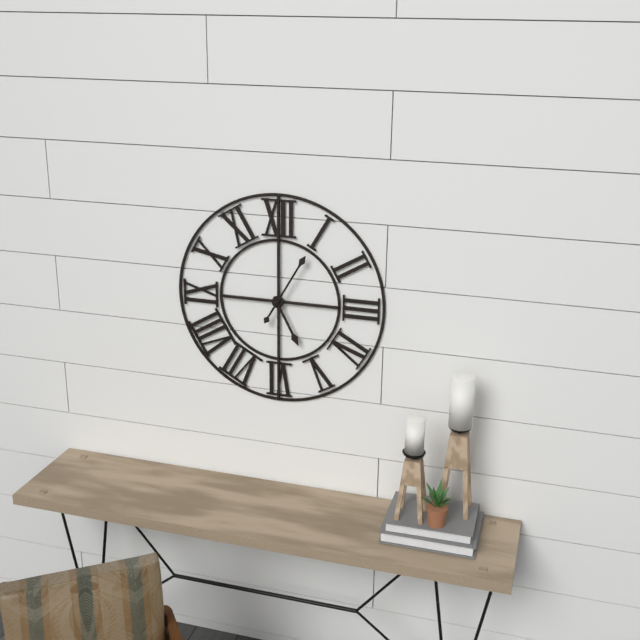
h=5 m=5
